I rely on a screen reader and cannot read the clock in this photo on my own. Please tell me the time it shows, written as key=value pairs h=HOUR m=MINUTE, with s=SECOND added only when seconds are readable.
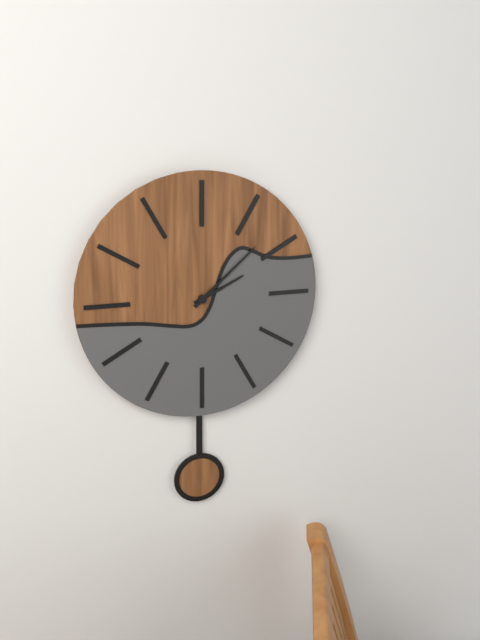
h=2 m=8
